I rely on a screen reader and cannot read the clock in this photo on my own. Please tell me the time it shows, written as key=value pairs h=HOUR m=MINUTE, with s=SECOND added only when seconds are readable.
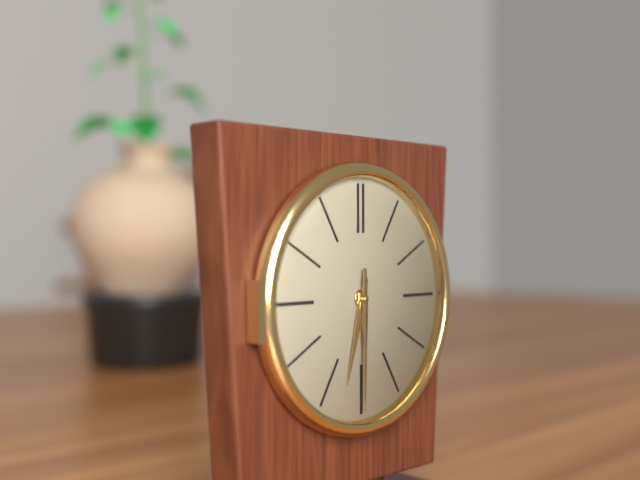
h=6 m=30
